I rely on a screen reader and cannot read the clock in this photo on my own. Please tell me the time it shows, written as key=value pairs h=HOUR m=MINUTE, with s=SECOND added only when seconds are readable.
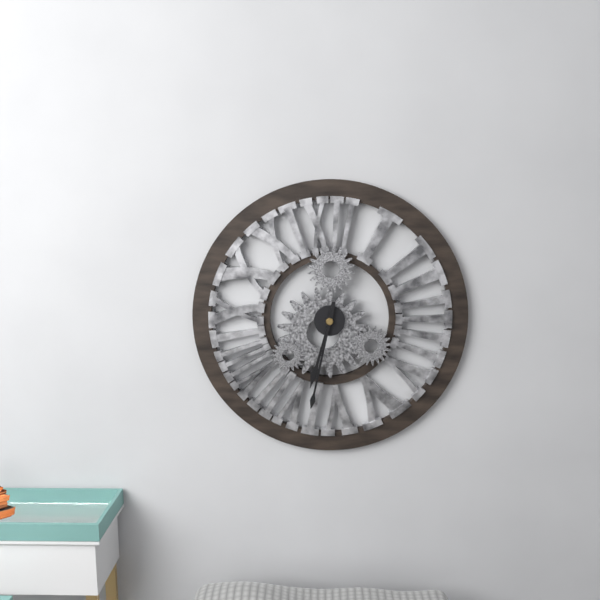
h=6 m=32
